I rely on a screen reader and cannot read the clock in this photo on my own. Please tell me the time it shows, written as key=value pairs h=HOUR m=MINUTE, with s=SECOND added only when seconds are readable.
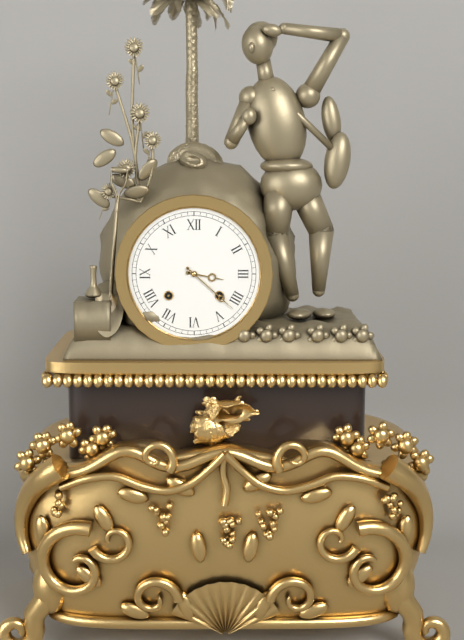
h=3 m=22
